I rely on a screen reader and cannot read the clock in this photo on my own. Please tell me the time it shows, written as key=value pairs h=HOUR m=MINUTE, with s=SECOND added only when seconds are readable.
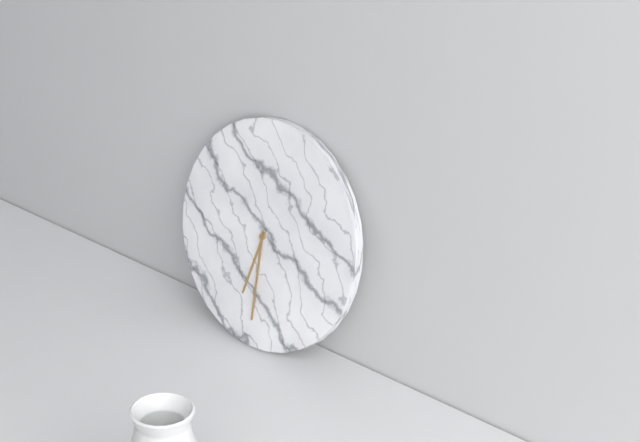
h=6 m=30
